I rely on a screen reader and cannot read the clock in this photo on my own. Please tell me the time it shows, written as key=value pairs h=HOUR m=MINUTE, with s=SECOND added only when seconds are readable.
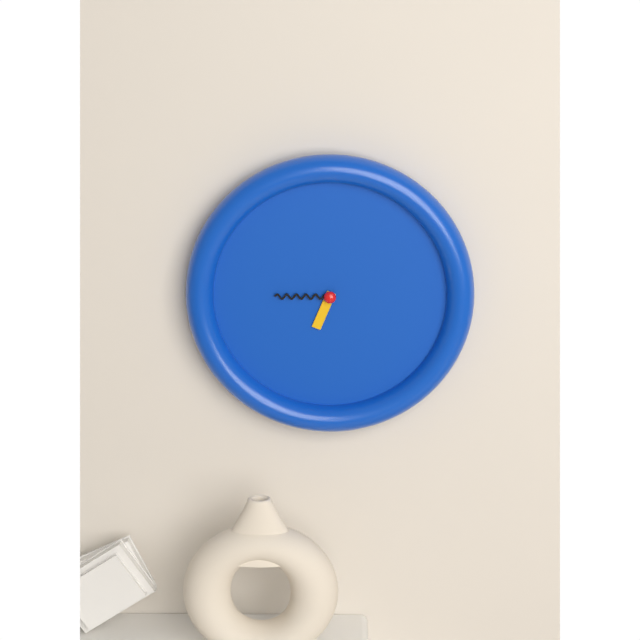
h=6 m=45
